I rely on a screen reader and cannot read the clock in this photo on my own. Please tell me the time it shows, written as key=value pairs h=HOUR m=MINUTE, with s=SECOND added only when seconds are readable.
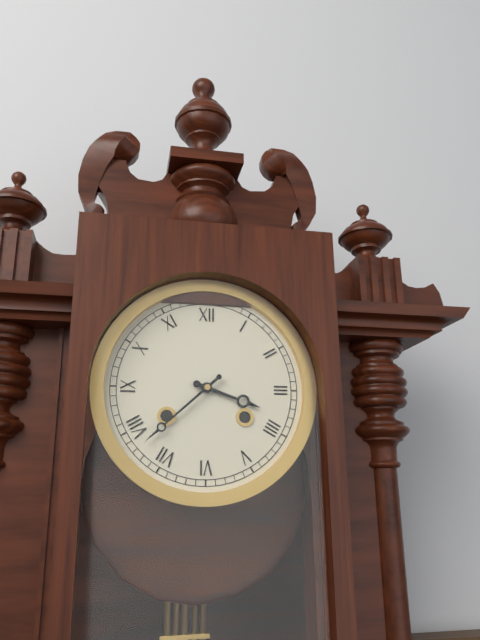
h=3 m=38
